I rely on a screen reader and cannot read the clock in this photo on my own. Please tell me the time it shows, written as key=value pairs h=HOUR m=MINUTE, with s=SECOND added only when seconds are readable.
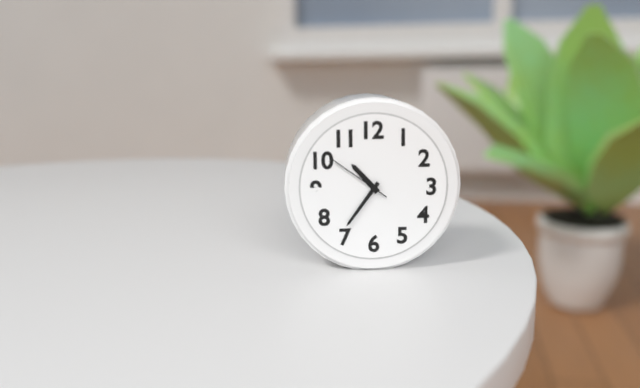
h=10 m=36 s=51
